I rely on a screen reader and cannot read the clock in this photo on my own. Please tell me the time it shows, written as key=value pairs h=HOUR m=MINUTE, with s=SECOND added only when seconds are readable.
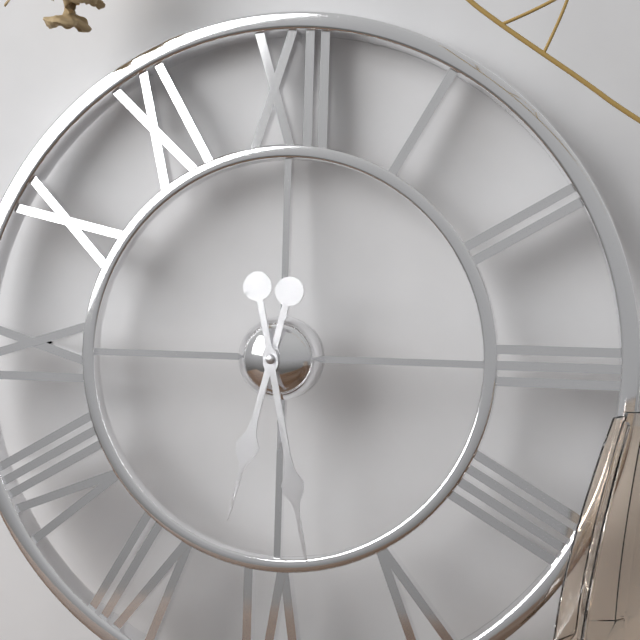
h=6 m=28
